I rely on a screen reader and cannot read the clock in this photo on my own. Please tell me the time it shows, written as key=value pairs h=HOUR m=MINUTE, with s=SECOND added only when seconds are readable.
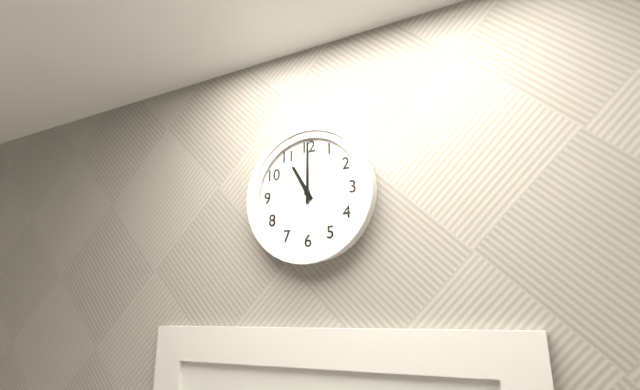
h=11 m=0
